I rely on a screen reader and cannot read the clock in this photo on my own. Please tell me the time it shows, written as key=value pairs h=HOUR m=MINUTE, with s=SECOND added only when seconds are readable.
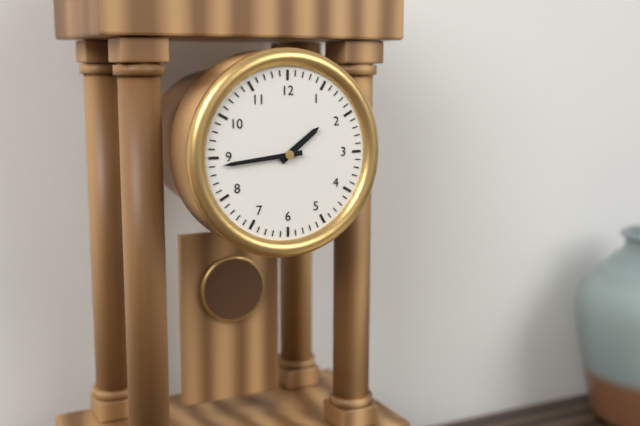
h=1 m=44
